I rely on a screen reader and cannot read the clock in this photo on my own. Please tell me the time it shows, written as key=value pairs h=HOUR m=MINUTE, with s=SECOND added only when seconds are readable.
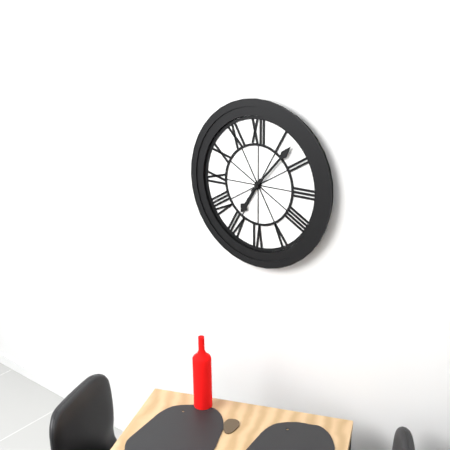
h=7 m=7
